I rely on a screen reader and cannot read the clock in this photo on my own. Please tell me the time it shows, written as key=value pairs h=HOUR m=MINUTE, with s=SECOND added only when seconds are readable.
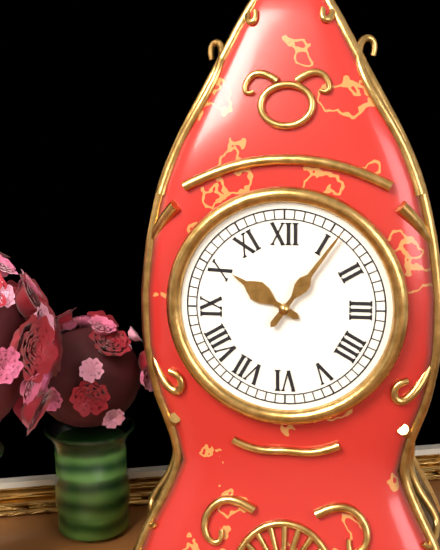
h=10 m=6
